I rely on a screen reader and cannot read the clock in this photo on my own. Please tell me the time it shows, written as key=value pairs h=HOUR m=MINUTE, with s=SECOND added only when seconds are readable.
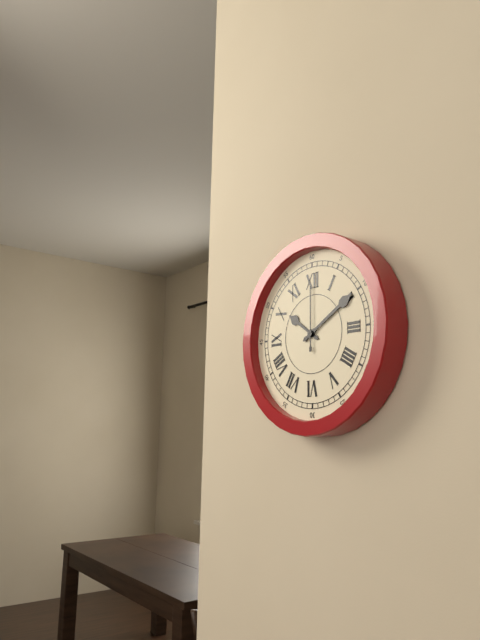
h=10 m=10 s=0
